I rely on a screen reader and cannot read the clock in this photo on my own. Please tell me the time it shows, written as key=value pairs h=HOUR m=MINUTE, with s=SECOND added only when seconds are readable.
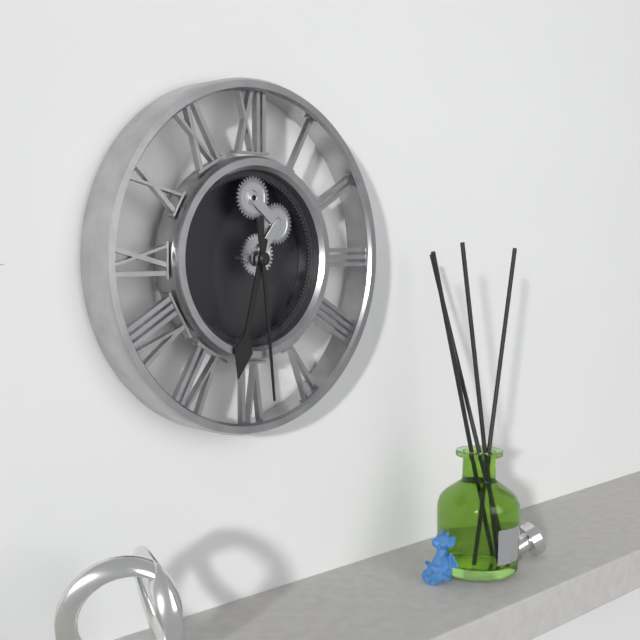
h=6 m=29
